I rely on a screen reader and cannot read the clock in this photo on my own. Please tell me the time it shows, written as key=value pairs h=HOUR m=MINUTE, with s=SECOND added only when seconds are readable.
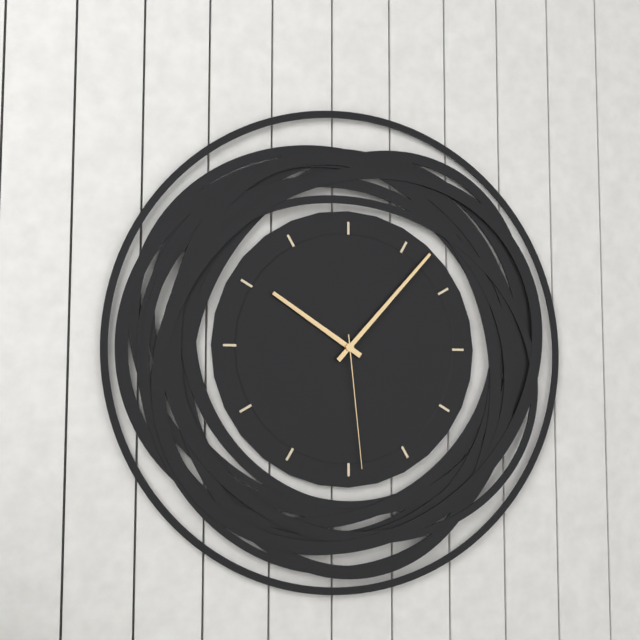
h=10 m=7 s=29
